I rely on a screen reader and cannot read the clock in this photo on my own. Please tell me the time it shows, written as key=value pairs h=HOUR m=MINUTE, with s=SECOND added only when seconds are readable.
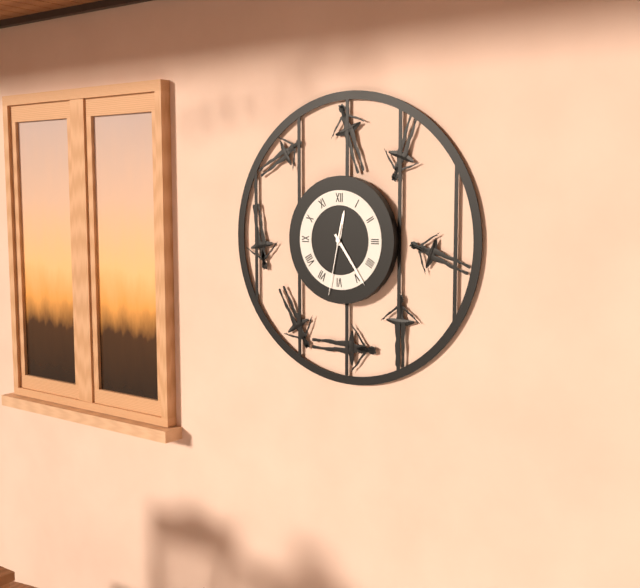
h=12 m=24 s=32
